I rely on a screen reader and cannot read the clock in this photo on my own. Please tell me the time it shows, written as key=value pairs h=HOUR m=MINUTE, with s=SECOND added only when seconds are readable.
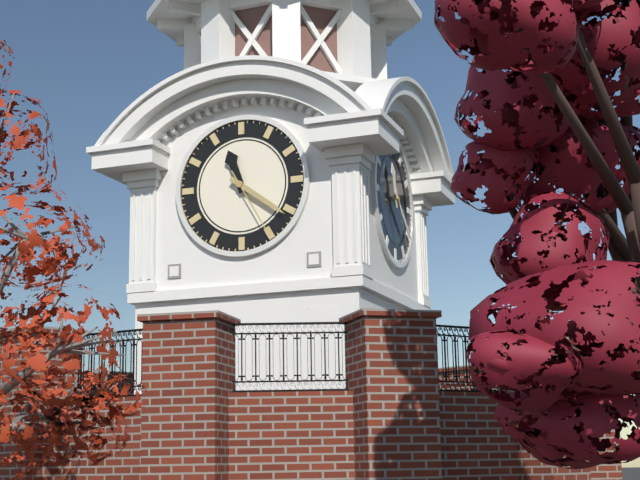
h=11 m=21 s=25
